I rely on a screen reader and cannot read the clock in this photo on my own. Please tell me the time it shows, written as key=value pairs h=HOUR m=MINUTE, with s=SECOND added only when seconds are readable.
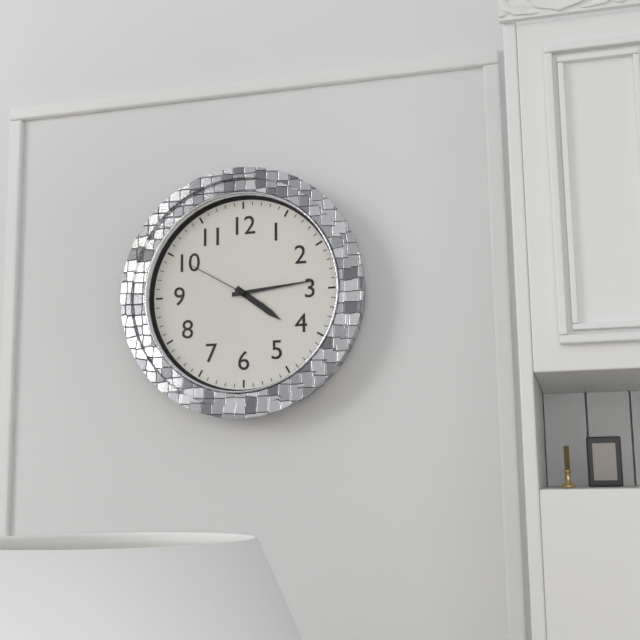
h=4 m=14 s=50
